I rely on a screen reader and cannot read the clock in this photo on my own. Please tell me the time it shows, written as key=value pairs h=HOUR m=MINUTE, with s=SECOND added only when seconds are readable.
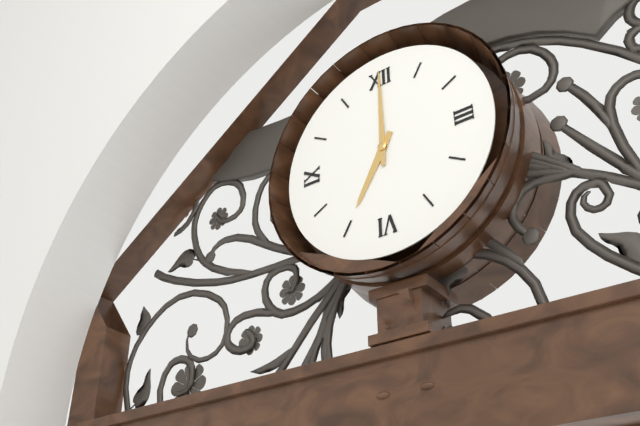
h=7 m=0
